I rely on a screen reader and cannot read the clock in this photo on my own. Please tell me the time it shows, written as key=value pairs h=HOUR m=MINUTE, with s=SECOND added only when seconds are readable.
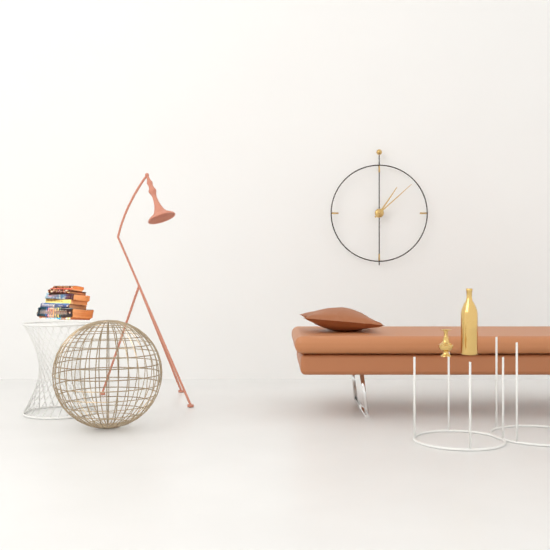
h=1 m=8
